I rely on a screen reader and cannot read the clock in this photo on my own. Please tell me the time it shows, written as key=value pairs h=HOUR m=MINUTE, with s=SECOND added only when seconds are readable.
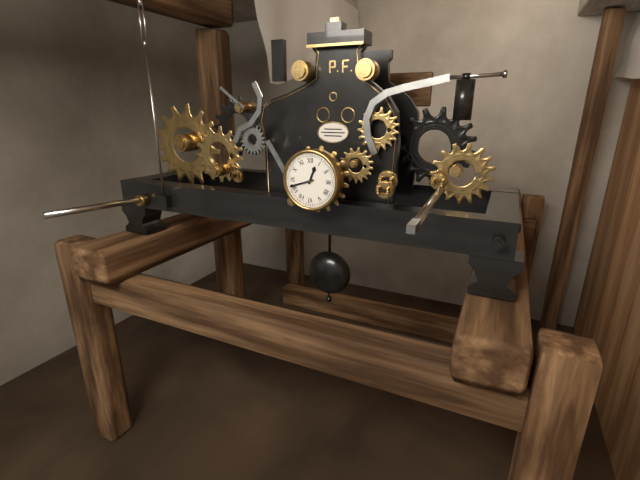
h=12 m=42
